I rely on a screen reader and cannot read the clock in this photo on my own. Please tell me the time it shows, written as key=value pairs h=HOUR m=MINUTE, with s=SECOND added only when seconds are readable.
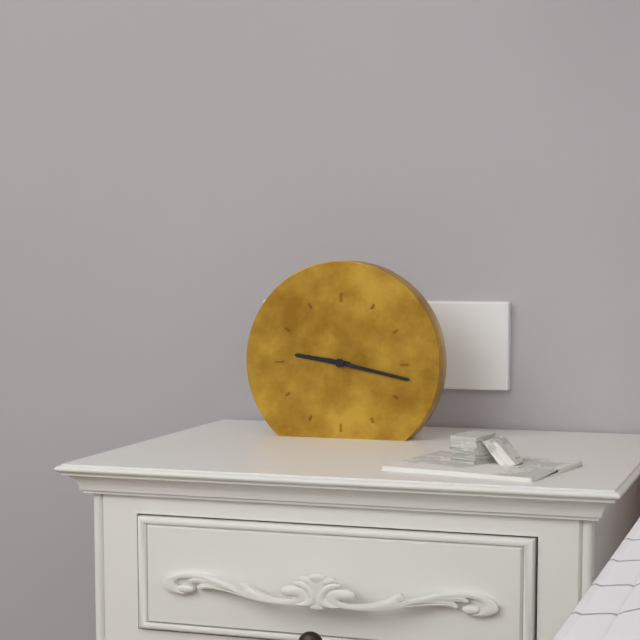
h=9 m=17
